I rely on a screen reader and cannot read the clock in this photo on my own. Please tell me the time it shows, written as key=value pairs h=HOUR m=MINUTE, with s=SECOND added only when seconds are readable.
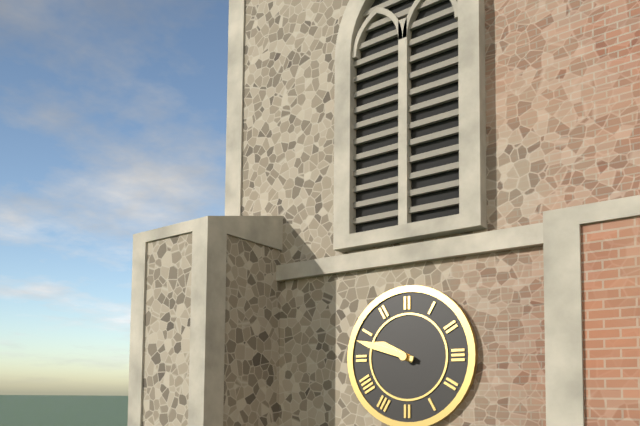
h=9 m=48
